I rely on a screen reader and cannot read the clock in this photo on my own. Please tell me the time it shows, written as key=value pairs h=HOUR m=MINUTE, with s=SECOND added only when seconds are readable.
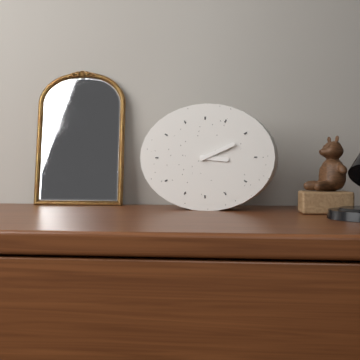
h=3 m=11
